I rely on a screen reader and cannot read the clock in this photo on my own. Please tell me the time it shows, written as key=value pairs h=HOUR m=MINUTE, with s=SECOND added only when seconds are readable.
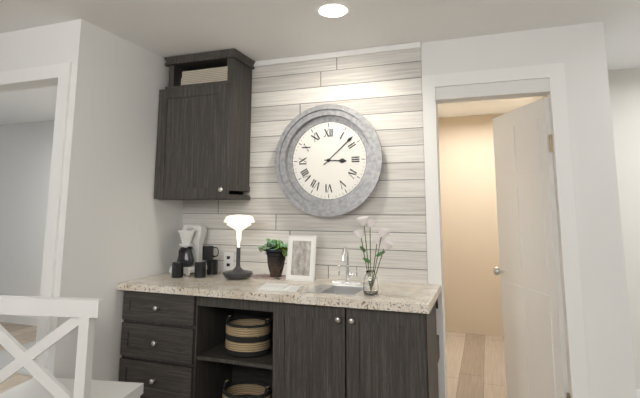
h=3 m=8
